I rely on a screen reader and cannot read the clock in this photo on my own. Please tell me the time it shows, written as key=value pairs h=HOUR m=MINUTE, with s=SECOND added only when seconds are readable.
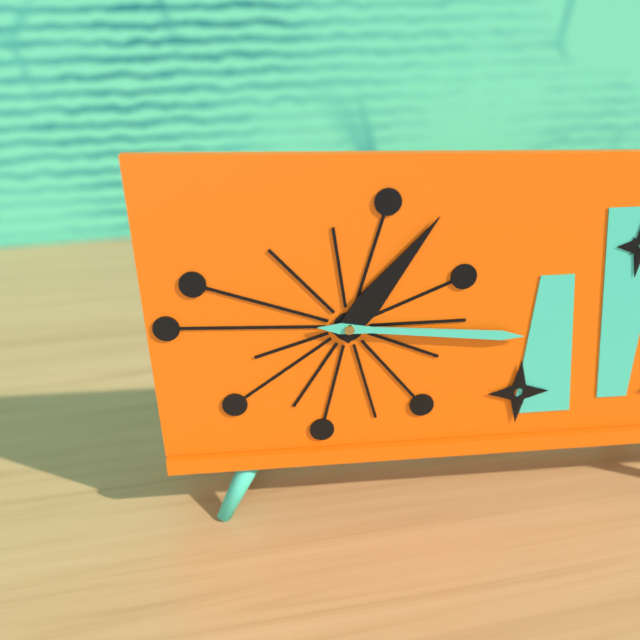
h=1 m=16
